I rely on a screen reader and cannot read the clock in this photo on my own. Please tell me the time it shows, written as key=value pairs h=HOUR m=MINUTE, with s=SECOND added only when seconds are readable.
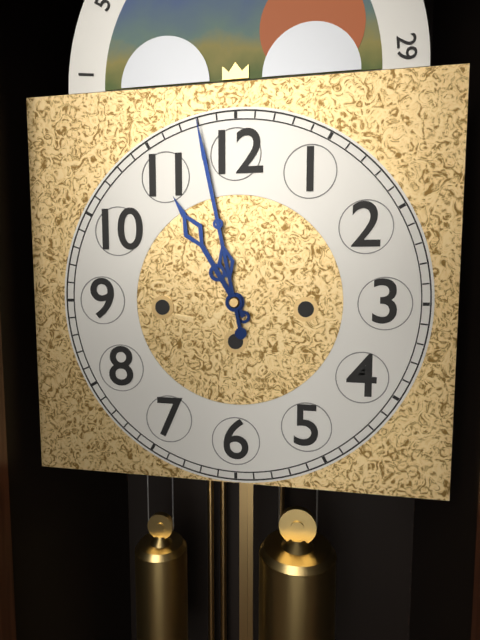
h=10 m=58
